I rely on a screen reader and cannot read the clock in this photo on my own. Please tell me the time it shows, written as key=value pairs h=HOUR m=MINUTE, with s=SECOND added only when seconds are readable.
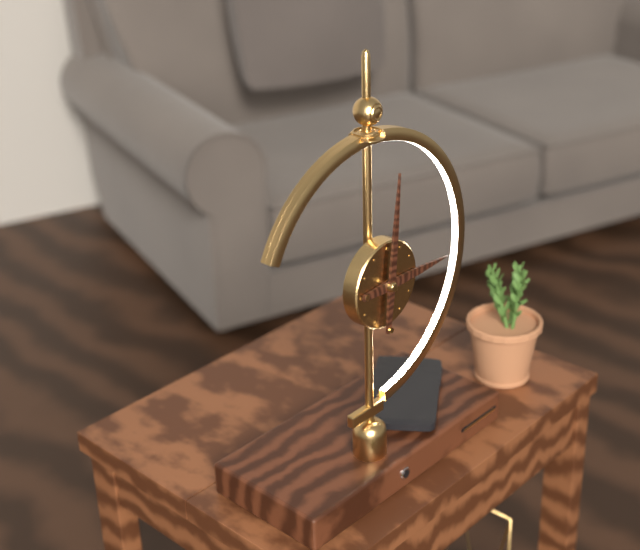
h=3 m=1
